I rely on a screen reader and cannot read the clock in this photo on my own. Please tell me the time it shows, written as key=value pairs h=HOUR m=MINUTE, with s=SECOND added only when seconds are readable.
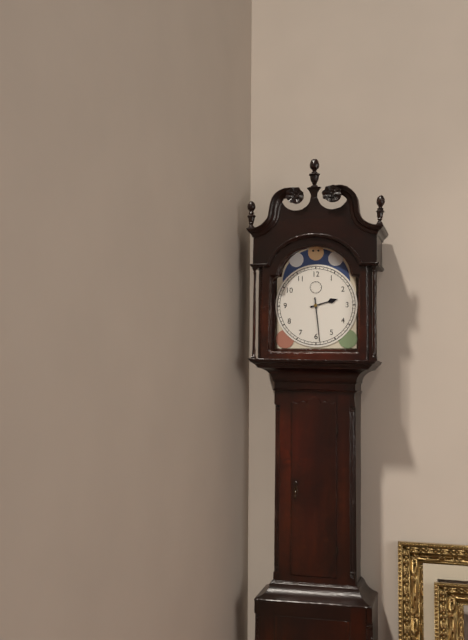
h=2 m=29
